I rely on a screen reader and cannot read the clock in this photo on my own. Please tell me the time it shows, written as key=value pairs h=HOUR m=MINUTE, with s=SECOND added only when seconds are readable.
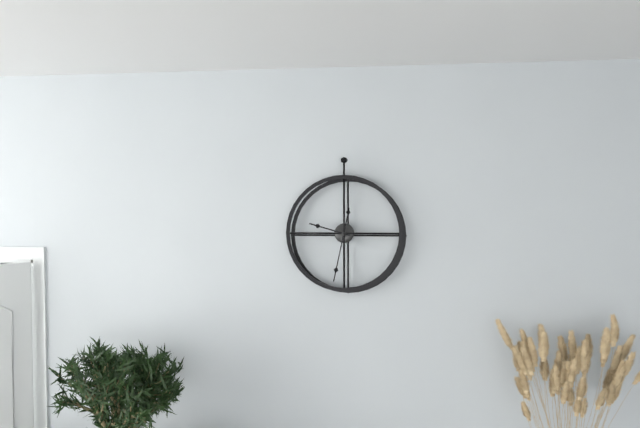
h=9 m=32
